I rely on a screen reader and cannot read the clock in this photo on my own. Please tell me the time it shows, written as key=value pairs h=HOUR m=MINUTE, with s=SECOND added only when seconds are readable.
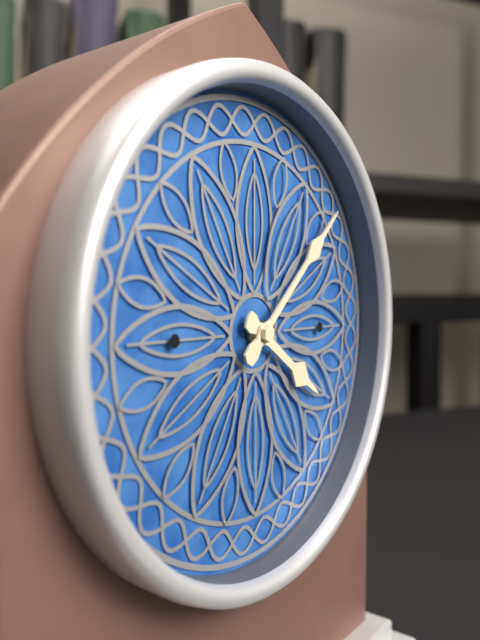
h=4 m=8
